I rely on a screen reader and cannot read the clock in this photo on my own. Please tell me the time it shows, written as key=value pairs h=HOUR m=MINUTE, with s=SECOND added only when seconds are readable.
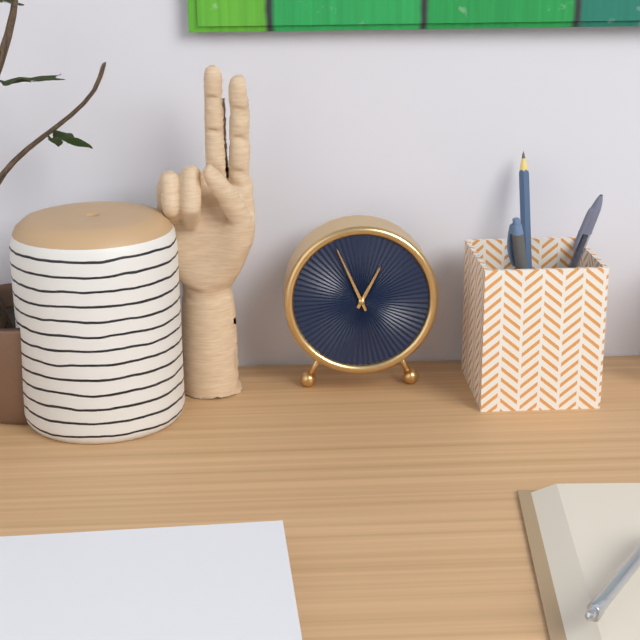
h=12 m=56
